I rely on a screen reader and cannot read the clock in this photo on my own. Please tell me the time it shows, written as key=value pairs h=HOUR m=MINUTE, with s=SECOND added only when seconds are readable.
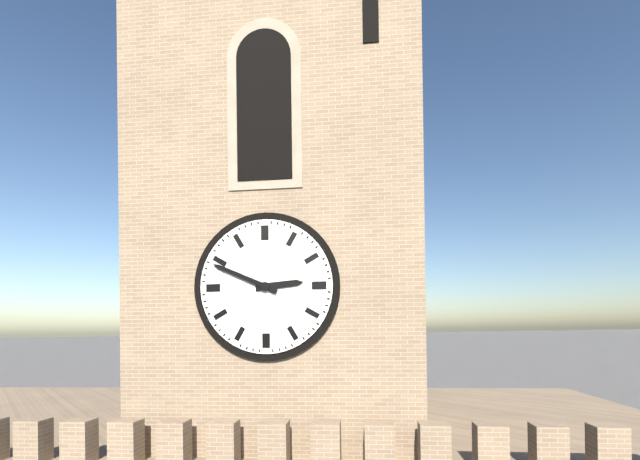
h=2 m=49
